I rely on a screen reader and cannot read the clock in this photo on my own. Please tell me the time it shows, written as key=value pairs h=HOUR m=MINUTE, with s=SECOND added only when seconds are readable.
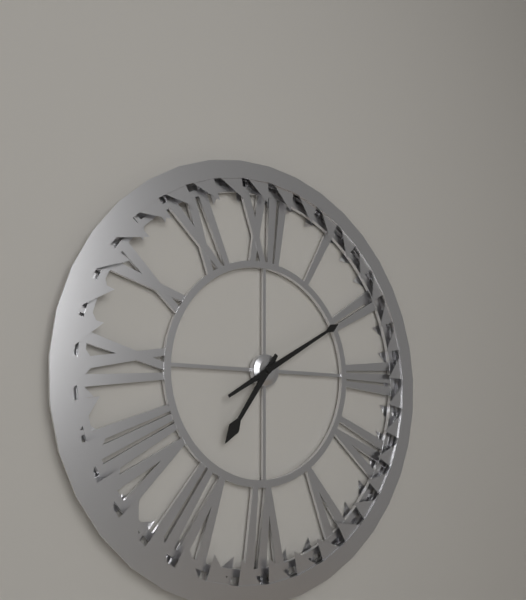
h=7 m=10
